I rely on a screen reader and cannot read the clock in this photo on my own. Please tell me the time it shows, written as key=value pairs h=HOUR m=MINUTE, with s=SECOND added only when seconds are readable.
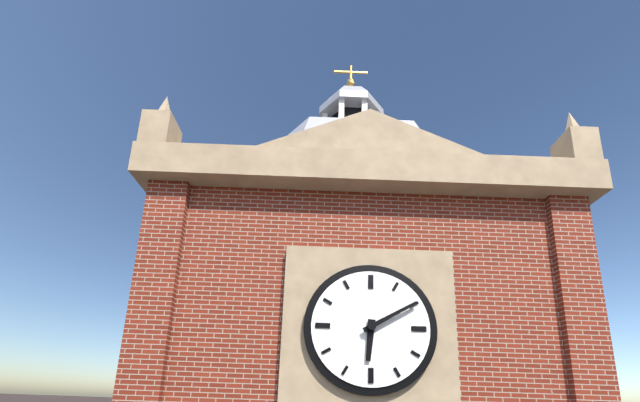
h=6 m=10
